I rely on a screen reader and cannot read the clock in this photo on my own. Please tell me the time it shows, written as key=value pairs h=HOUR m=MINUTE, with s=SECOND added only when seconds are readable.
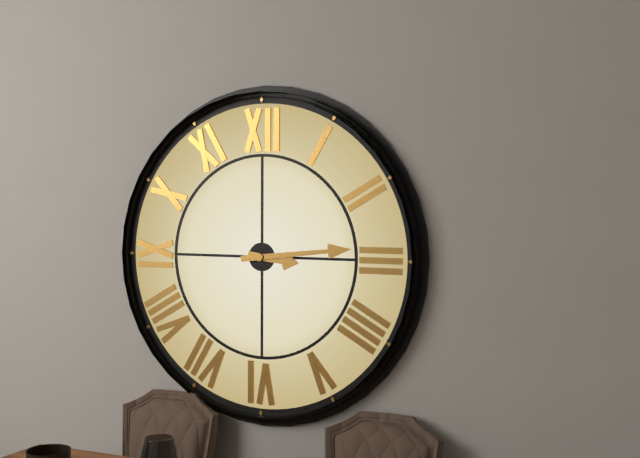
h=3 m=14
